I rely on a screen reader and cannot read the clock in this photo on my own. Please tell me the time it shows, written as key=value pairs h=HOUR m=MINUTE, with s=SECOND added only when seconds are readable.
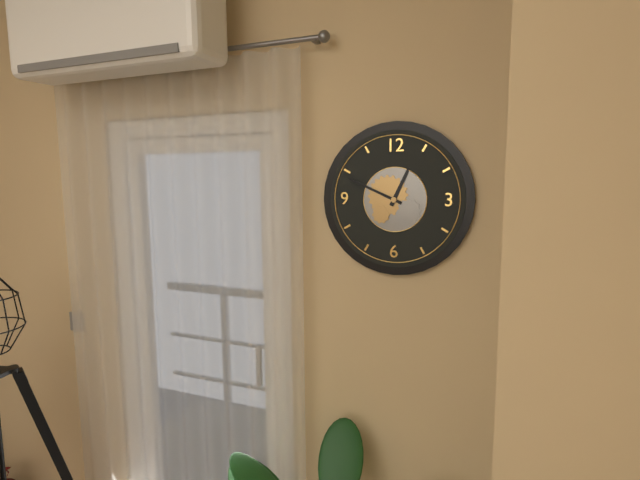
h=12 m=49
